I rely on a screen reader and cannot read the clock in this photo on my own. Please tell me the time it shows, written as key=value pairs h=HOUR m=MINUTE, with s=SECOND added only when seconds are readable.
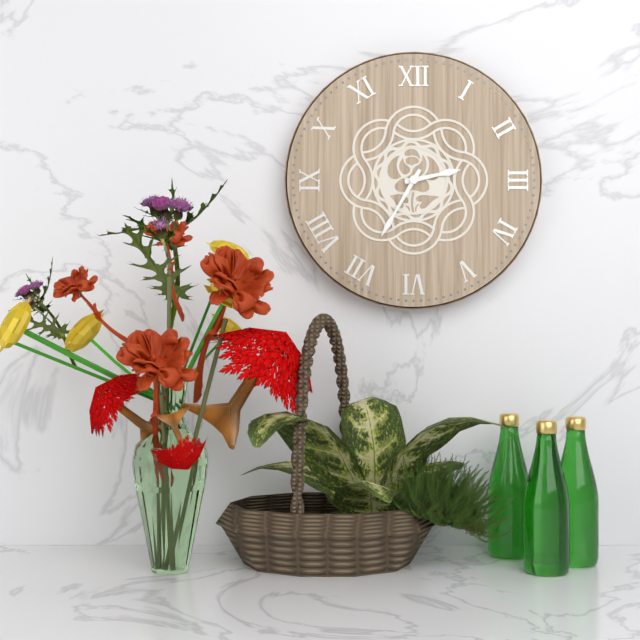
h=2 m=35
